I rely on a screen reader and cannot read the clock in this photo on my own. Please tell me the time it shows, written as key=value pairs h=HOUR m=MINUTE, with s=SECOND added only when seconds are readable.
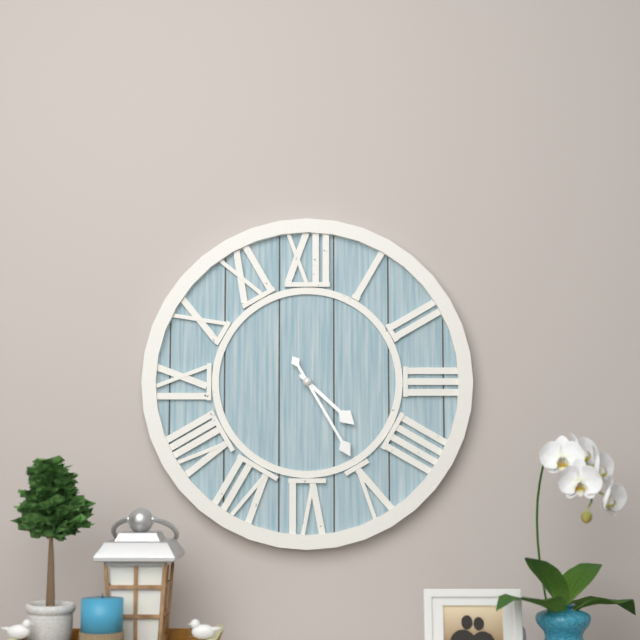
h=4 m=25
